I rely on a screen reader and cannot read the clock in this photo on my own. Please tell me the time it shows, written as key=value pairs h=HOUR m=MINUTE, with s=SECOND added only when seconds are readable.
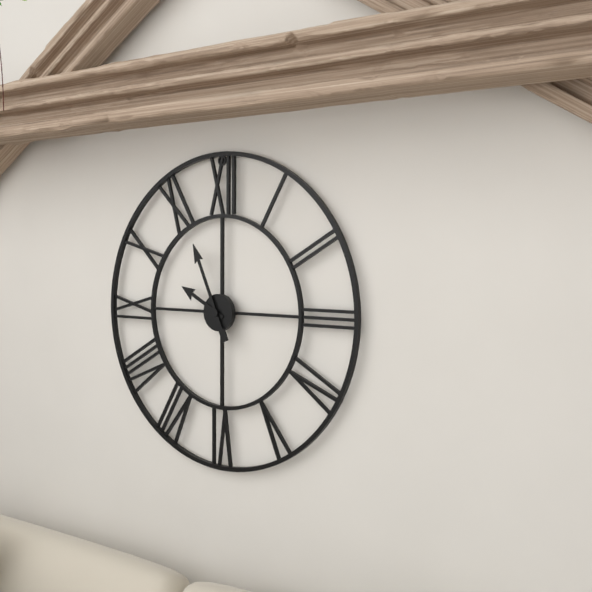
h=9 m=56
